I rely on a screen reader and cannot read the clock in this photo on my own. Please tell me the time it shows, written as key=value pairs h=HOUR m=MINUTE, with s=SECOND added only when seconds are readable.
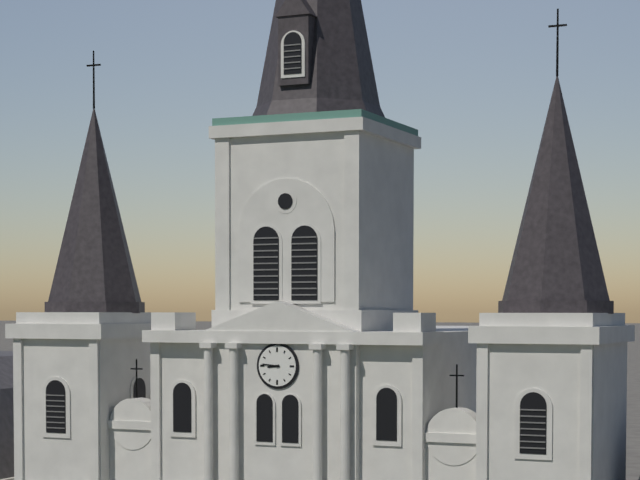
h=8 m=46
